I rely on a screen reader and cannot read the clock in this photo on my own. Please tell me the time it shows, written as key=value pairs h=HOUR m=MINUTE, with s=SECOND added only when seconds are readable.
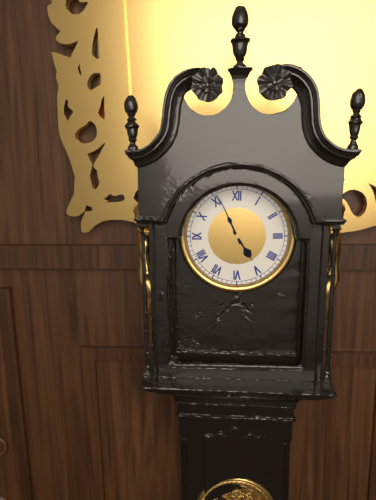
h=4 m=56
